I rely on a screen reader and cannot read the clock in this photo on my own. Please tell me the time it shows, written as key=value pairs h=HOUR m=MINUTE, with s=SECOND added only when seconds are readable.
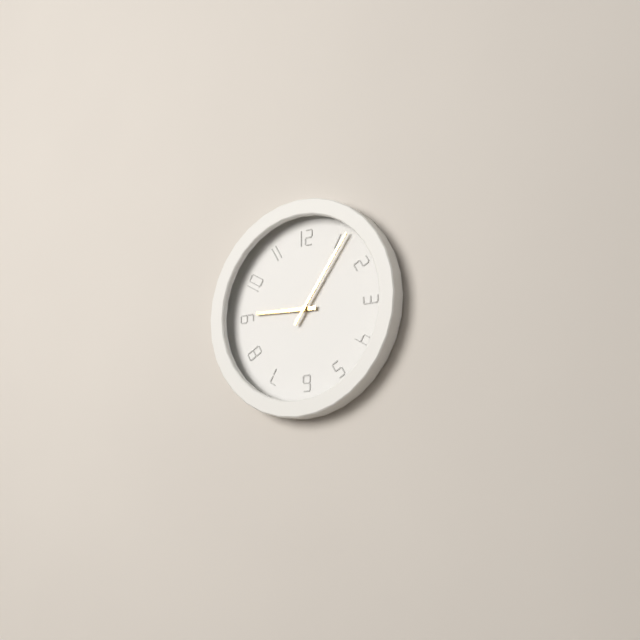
h=9 m=6
